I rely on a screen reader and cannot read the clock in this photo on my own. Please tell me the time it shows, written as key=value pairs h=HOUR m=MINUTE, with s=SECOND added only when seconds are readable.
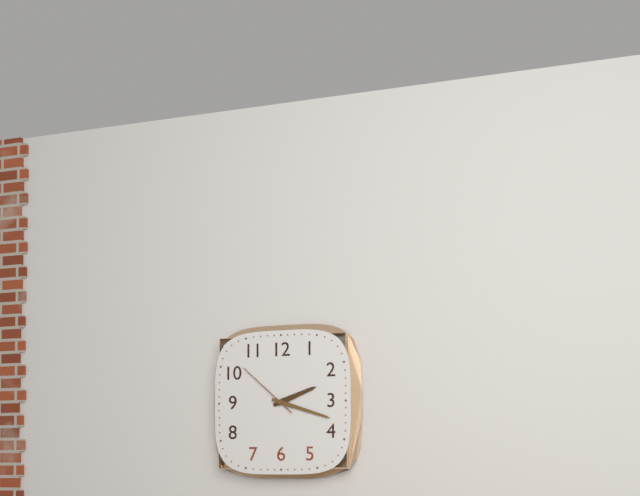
h=2 m=18 s=52
